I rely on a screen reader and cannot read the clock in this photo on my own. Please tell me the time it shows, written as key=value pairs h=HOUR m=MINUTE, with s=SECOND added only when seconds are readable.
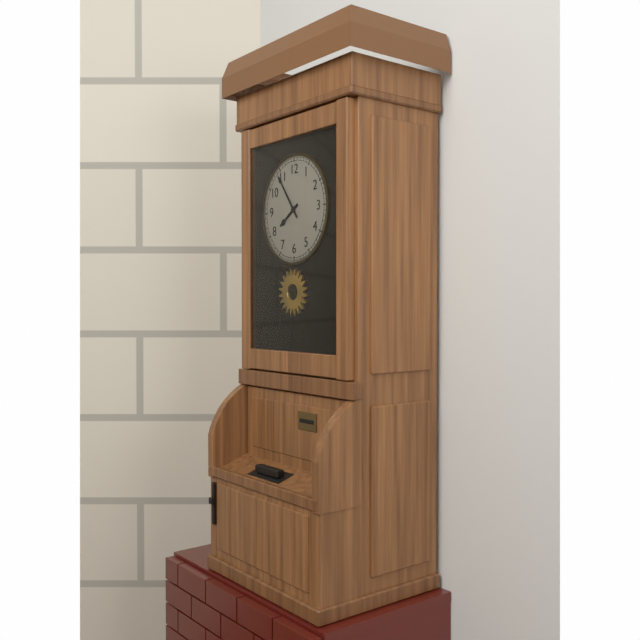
h=7 m=54
